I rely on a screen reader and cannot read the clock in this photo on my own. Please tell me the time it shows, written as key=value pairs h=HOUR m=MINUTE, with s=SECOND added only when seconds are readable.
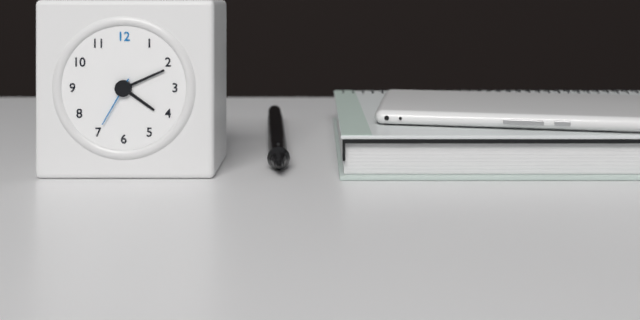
h=4 m=11 s=35
